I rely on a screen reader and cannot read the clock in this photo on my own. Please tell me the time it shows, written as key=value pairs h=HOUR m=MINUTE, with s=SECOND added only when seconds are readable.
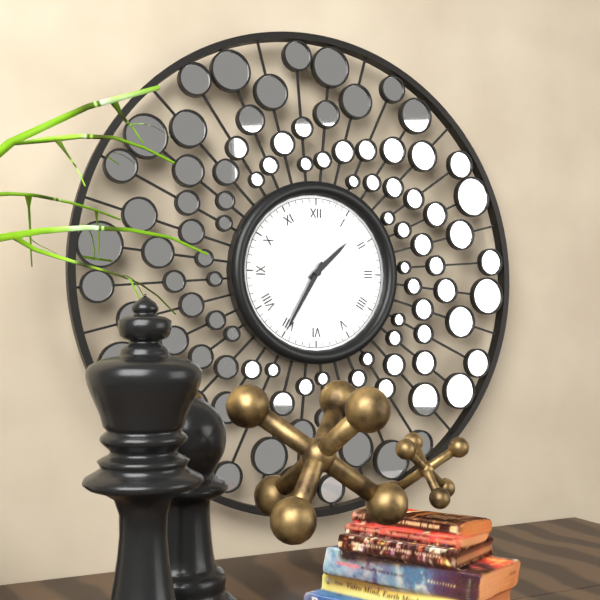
h=1 m=35
